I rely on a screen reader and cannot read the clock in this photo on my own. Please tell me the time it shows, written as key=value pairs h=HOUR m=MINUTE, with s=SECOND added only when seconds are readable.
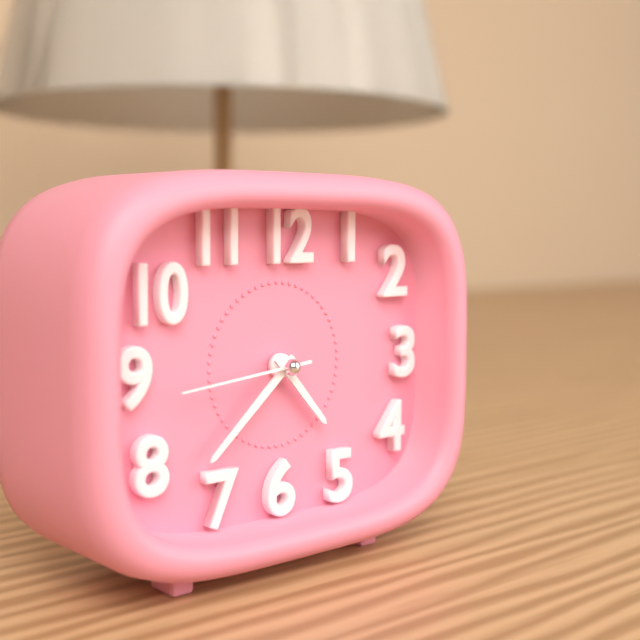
h=4 m=38 s=44
